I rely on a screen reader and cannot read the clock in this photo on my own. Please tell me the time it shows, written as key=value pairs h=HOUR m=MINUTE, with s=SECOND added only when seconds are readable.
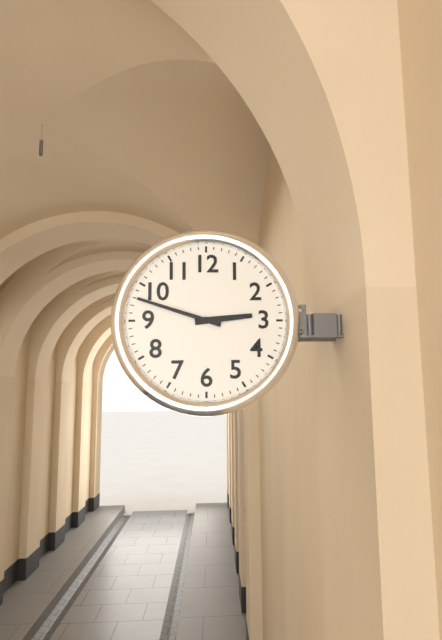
h=2 m=48
